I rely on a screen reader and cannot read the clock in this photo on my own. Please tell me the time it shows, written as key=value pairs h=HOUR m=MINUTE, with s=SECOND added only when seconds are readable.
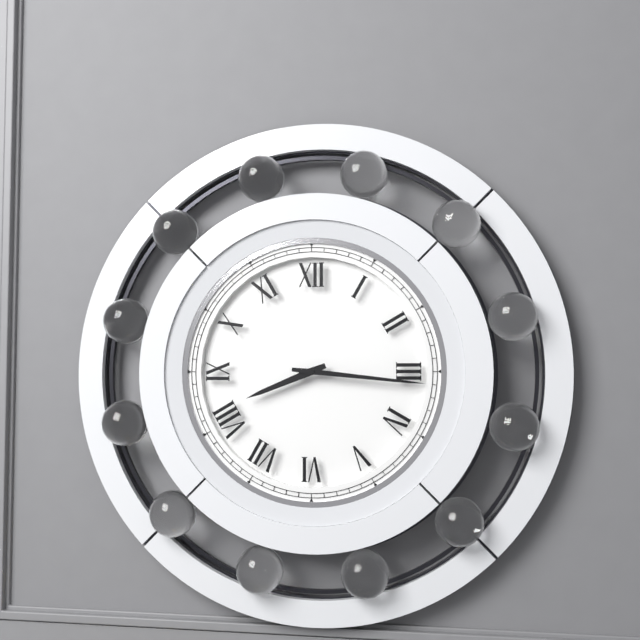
h=8 m=16
